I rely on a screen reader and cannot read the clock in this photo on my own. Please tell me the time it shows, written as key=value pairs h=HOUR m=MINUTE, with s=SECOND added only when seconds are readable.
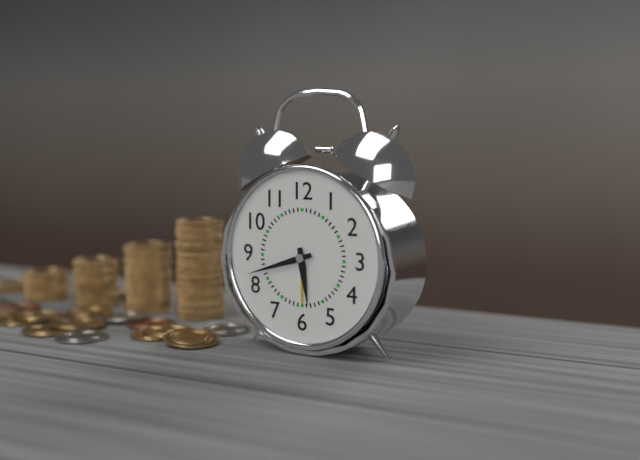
h=5 m=42
